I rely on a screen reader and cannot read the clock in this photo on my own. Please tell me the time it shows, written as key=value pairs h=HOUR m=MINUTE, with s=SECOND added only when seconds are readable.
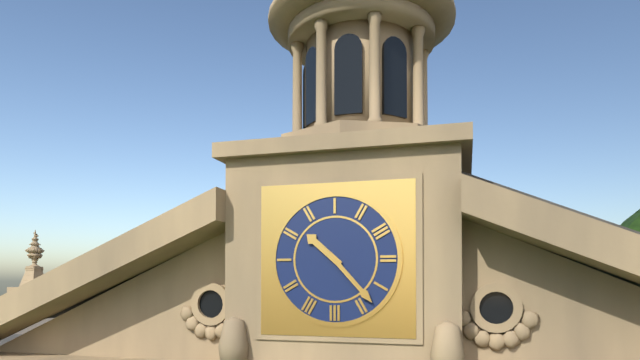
h=10 m=23
